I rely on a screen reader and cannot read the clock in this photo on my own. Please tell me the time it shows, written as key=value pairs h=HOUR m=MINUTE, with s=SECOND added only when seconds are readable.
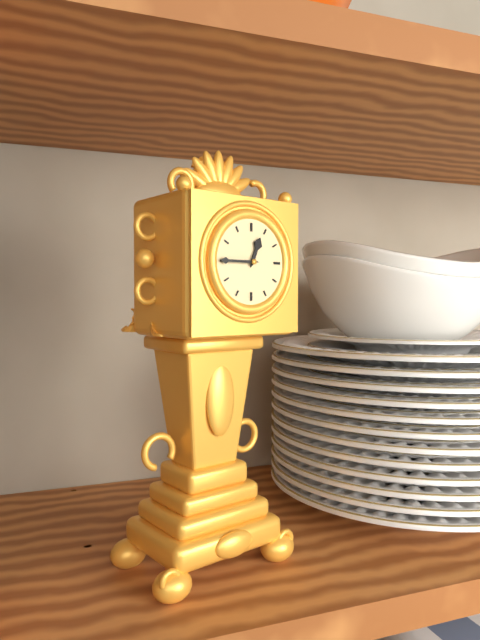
h=12 m=45
